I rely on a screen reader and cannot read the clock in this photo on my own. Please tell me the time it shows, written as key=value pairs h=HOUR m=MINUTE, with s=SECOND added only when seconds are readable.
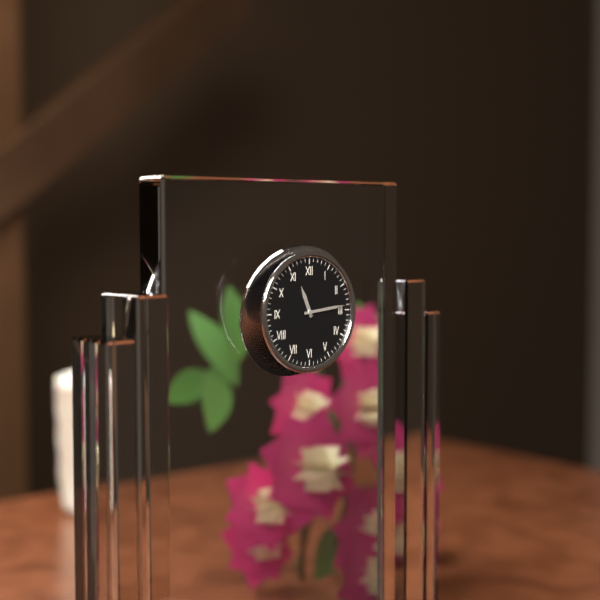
h=11 m=14
